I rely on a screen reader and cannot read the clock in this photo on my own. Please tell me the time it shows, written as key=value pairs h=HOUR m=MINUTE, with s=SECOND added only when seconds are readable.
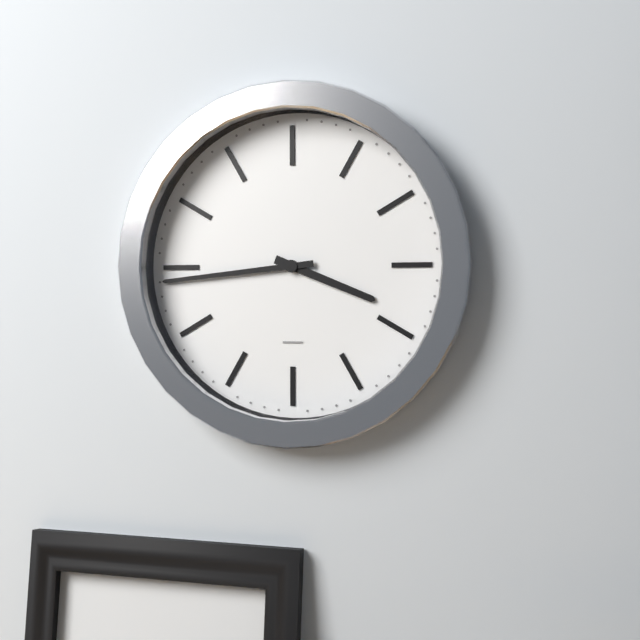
h=3 m=44
